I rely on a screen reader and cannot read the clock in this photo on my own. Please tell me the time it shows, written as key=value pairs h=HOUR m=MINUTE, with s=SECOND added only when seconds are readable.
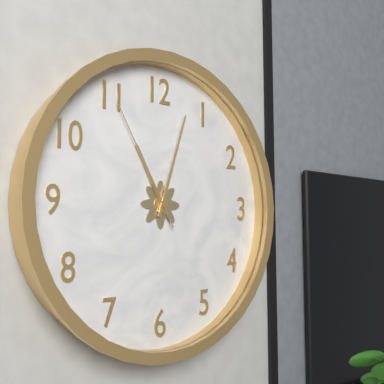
h=11 m=3 s=55
